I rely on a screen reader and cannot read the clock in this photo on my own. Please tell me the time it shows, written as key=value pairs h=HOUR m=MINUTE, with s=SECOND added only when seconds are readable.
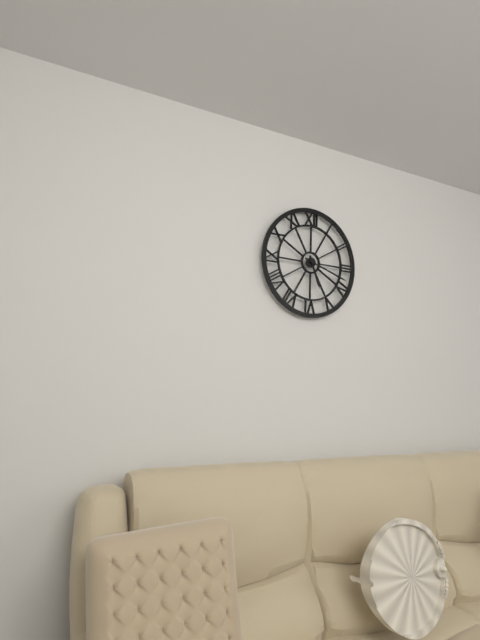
h=5 m=18
